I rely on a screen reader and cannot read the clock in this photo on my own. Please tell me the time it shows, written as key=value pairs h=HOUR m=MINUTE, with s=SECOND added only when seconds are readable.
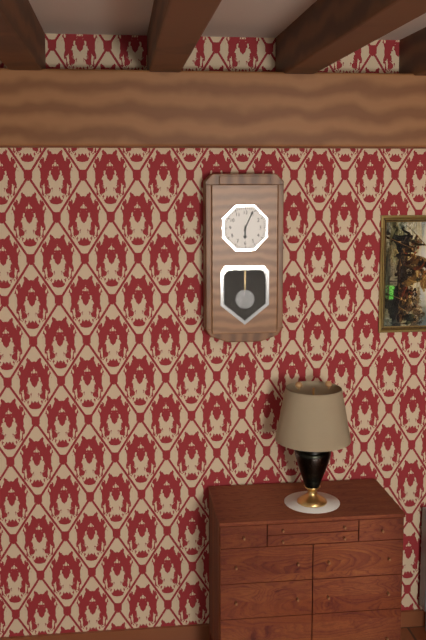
h=6 m=4
